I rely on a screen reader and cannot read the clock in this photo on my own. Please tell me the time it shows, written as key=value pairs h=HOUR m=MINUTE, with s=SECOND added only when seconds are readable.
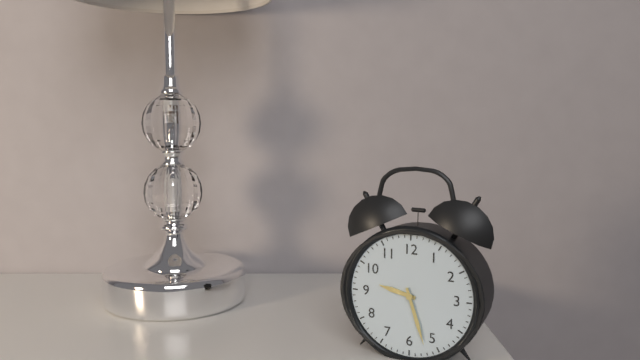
h=9 m=27
